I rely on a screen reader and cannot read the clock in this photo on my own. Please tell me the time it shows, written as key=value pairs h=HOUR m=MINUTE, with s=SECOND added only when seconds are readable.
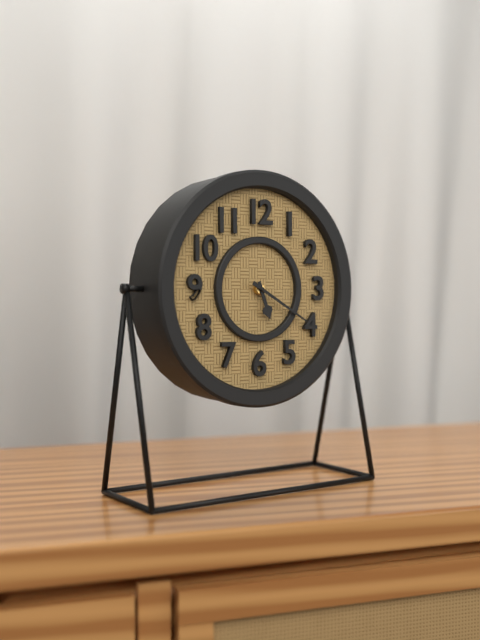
h=5 m=20
